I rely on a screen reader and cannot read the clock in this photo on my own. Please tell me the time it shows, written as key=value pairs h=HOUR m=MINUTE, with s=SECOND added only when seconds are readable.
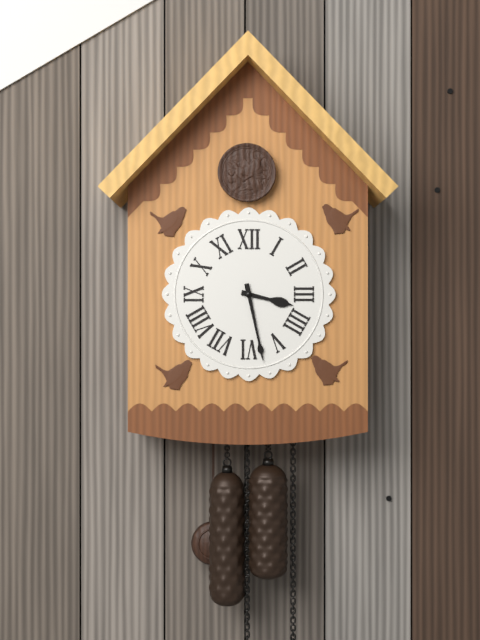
h=3 m=28
